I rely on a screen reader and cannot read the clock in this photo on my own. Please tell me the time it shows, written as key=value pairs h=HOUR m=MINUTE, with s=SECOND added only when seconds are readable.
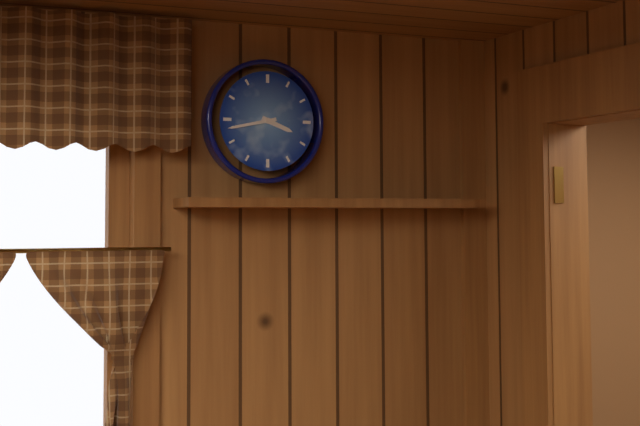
h=3 m=43
